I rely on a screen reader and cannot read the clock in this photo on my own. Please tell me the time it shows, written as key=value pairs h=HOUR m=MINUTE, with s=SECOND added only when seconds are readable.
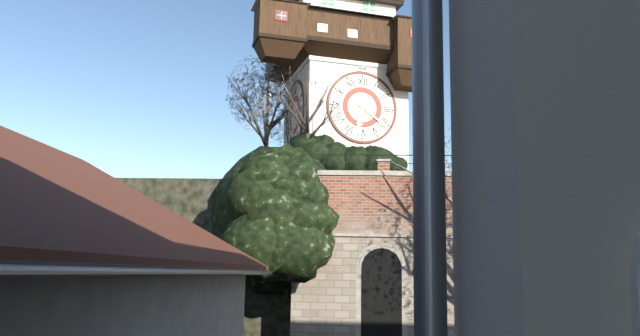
h=6 m=21
